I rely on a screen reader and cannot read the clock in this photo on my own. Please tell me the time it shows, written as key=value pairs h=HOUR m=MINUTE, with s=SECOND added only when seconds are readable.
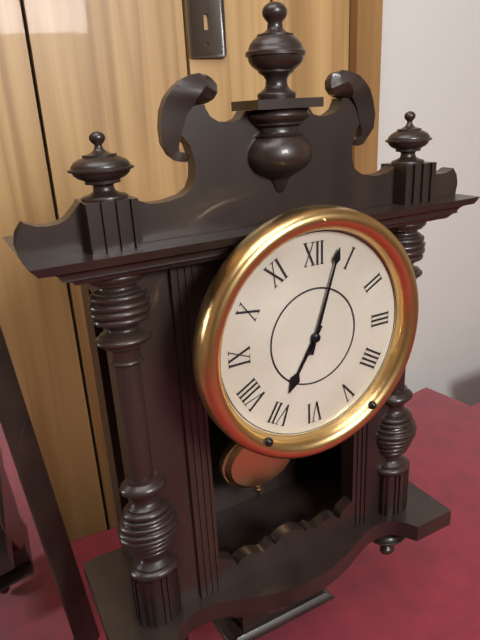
h=7 m=3
